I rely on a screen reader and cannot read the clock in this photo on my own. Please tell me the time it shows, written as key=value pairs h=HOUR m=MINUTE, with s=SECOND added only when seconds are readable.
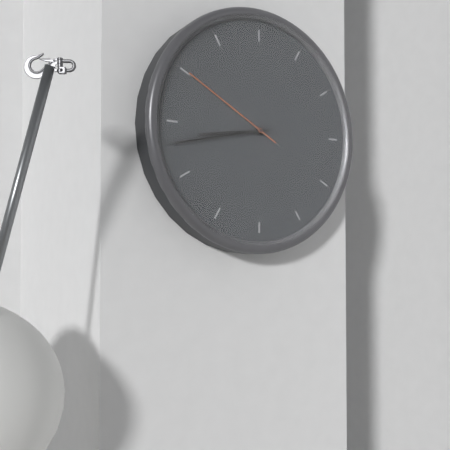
h=8 m=43 s=50
